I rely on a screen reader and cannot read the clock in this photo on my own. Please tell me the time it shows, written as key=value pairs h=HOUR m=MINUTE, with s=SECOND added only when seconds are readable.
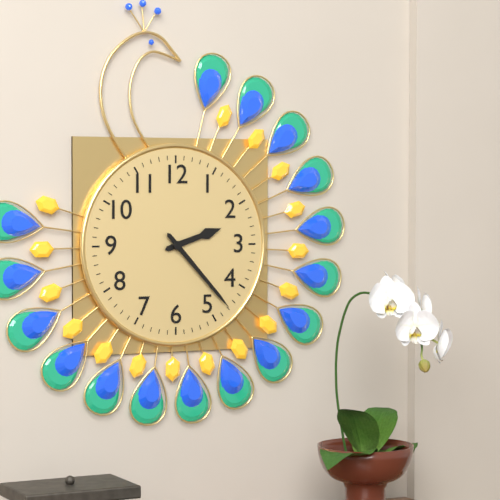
h=2 m=23
